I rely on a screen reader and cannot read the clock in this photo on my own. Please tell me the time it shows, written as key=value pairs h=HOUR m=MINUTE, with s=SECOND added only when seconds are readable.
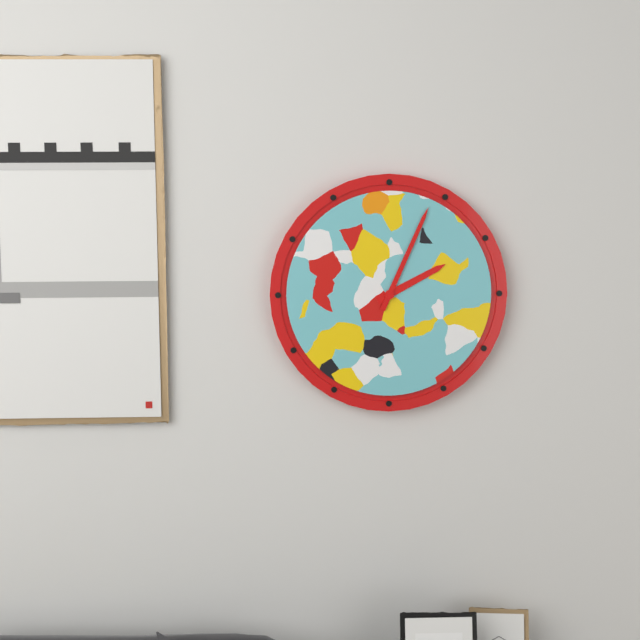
h=2 m=4
